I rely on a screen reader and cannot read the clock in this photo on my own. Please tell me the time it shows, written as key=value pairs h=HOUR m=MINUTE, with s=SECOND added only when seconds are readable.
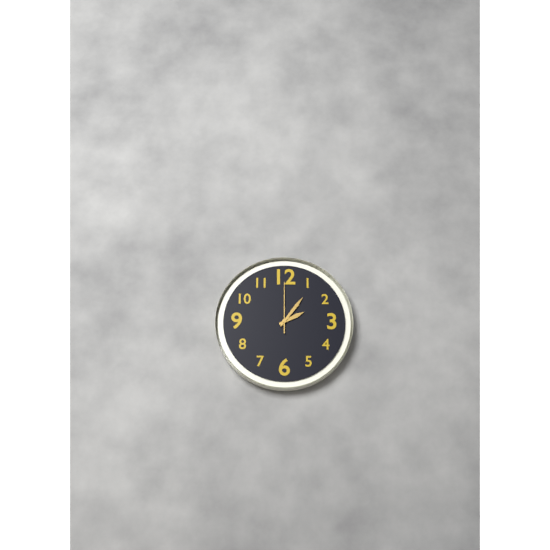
h=2 m=6
